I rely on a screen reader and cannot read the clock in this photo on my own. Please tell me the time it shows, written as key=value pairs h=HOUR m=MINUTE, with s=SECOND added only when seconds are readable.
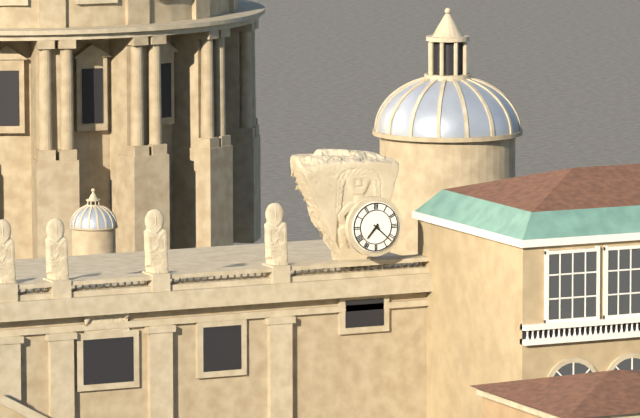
h=7 m=22
